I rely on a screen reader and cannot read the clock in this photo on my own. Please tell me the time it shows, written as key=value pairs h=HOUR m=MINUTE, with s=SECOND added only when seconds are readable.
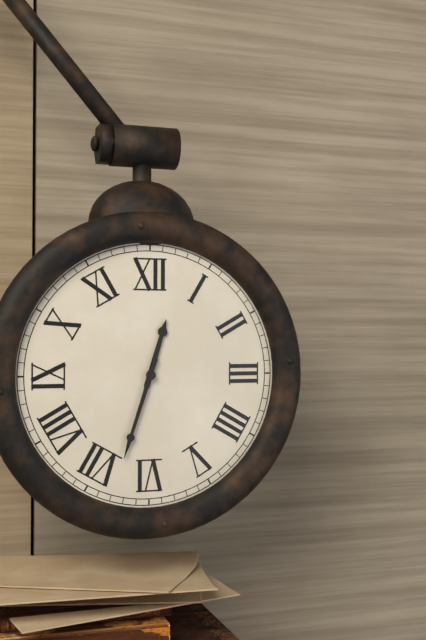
h=12 m=33
